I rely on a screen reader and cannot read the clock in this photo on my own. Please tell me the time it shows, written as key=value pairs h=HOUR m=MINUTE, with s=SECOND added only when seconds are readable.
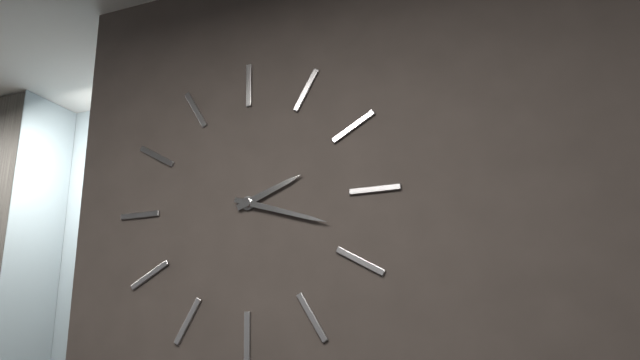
h=2 m=18
